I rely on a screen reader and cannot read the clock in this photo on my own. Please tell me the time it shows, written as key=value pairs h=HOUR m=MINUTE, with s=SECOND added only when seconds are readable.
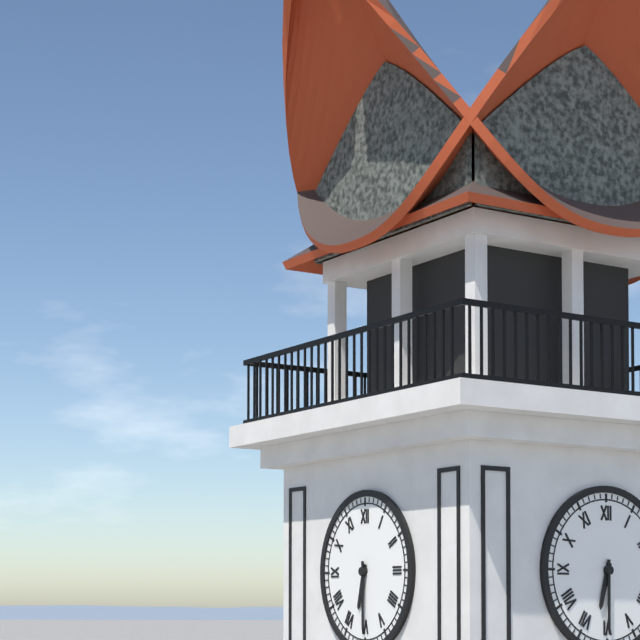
h=6 m=30
